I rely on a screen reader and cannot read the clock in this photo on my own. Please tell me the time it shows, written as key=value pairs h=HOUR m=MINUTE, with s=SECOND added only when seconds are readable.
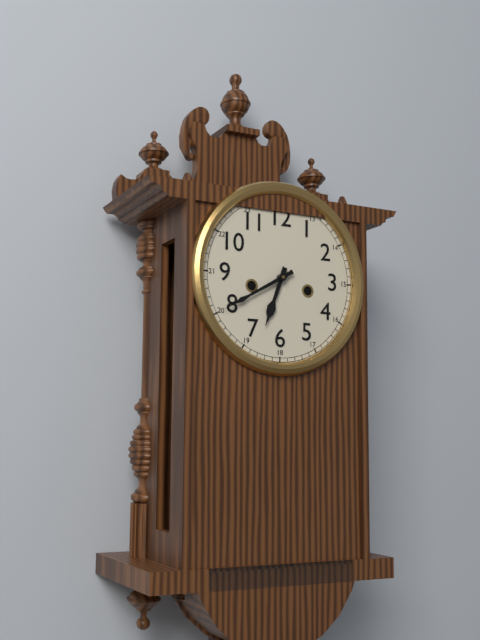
h=6 m=40
